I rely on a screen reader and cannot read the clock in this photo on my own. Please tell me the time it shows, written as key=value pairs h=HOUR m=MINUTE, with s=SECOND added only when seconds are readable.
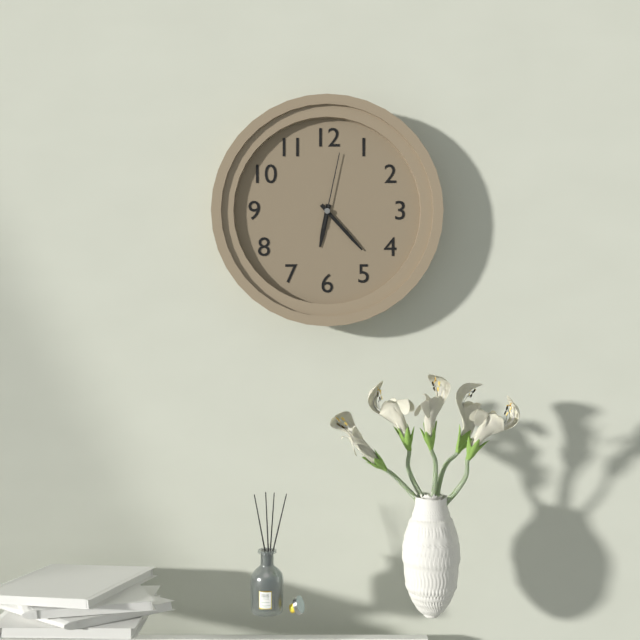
h=6 m=23 s=2
